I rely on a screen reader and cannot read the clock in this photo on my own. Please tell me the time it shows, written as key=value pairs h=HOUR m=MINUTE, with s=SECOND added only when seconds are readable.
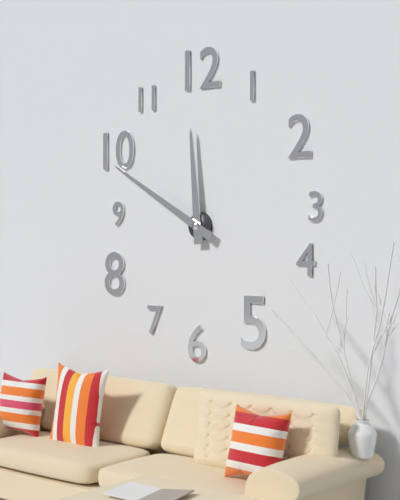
h=11 m=50
